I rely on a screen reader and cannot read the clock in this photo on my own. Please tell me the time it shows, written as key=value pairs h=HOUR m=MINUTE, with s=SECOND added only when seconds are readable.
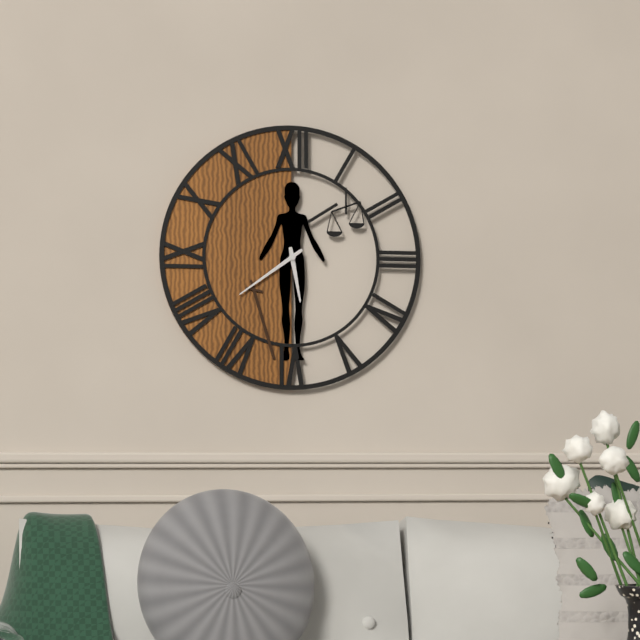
h=5 m=39
